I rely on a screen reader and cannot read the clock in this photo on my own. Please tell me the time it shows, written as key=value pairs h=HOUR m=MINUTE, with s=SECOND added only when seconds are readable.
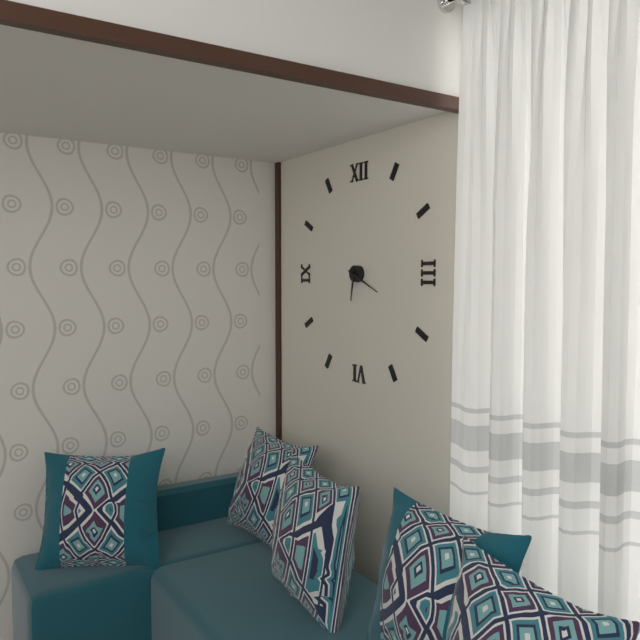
h=6 m=19
